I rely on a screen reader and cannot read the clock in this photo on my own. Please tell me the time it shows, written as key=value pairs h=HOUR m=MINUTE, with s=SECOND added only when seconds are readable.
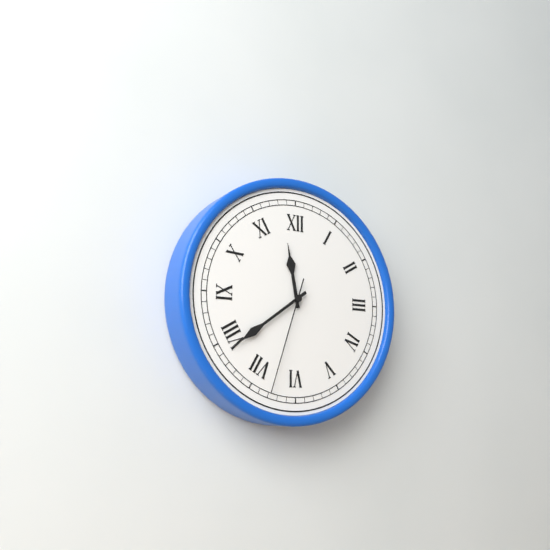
h=11 m=39 s=33
